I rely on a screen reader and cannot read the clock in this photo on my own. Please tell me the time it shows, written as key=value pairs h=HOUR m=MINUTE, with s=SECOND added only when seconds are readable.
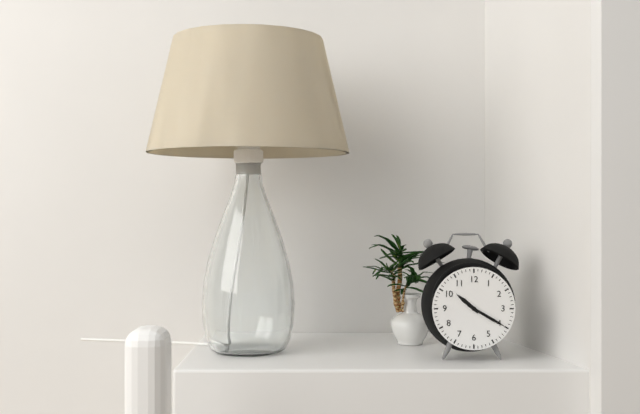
h=10 m=20
